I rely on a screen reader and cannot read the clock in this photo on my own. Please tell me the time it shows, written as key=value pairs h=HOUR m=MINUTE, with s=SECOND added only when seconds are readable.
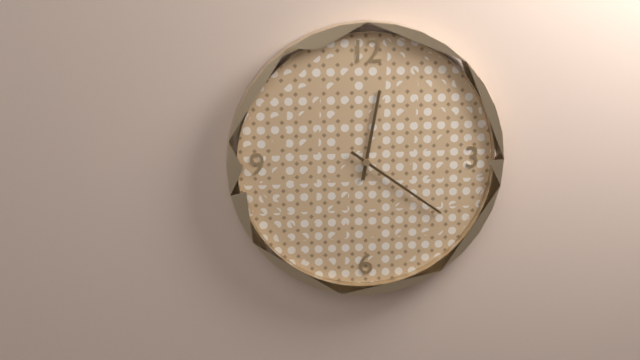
h=12 m=21
